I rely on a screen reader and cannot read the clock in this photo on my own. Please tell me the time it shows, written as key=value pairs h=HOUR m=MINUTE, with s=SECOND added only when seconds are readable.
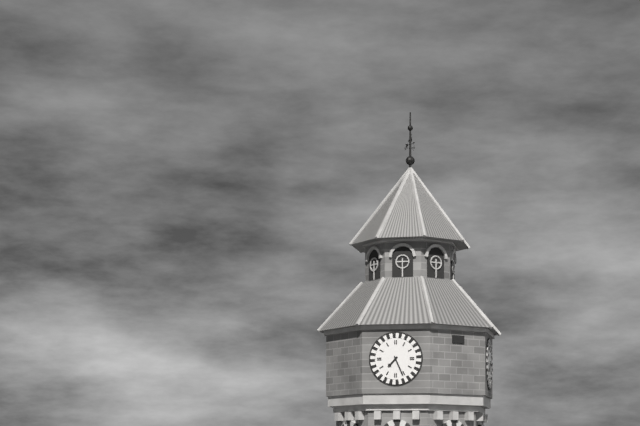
h=7 m=26
